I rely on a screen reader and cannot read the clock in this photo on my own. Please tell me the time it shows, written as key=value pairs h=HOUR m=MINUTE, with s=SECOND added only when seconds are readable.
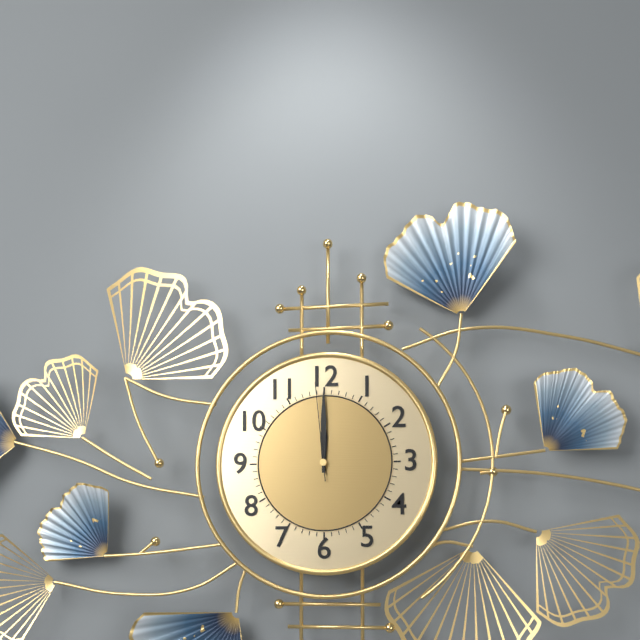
h=12 m=0 s=59
